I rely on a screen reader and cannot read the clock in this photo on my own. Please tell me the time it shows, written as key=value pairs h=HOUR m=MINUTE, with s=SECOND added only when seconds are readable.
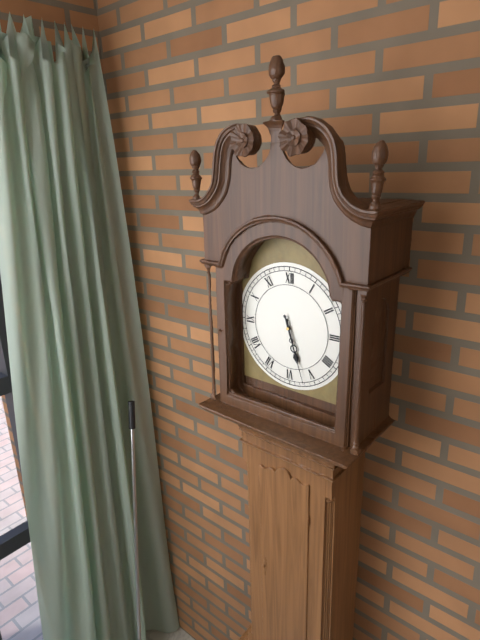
h=5 m=27
